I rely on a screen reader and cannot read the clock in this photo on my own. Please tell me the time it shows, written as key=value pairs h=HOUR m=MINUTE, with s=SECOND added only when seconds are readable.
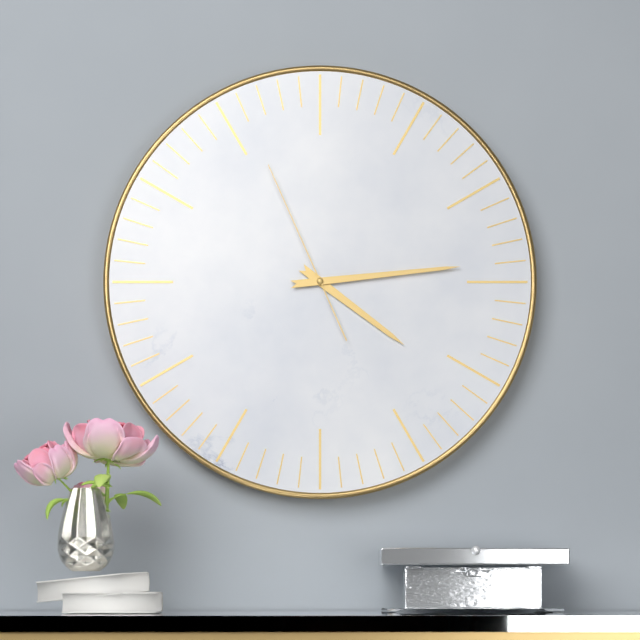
h=4 m=14 s=56
